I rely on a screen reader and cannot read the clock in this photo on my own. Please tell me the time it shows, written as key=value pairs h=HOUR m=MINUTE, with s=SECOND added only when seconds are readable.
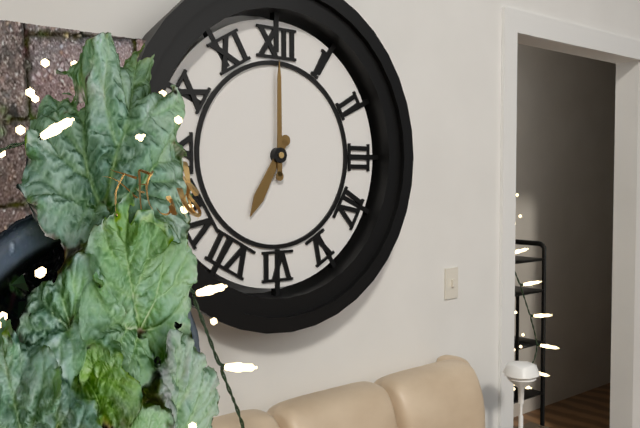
h=7 m=0
